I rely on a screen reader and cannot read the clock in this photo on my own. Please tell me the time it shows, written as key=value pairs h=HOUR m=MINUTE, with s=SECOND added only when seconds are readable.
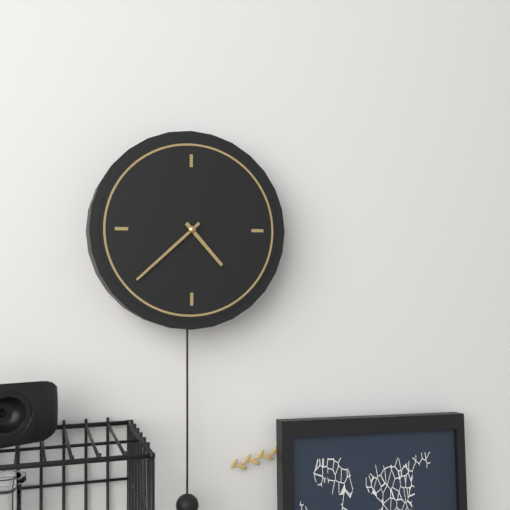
h=4 m=38
